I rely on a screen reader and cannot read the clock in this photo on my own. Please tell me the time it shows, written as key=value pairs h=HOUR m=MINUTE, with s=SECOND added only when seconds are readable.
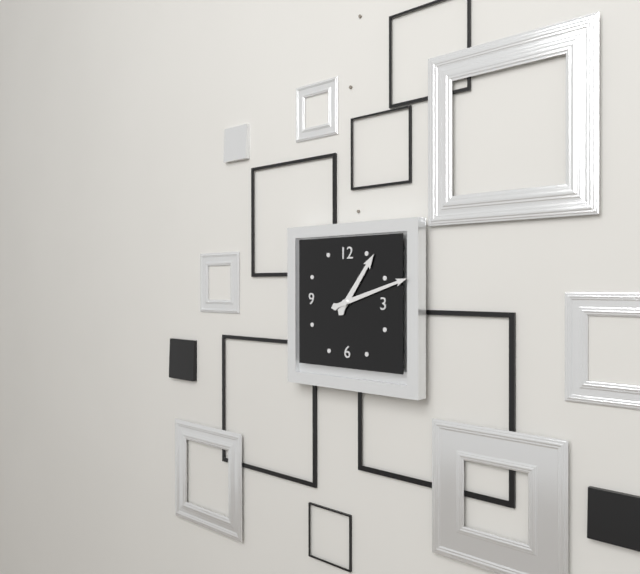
h=1 m=12
